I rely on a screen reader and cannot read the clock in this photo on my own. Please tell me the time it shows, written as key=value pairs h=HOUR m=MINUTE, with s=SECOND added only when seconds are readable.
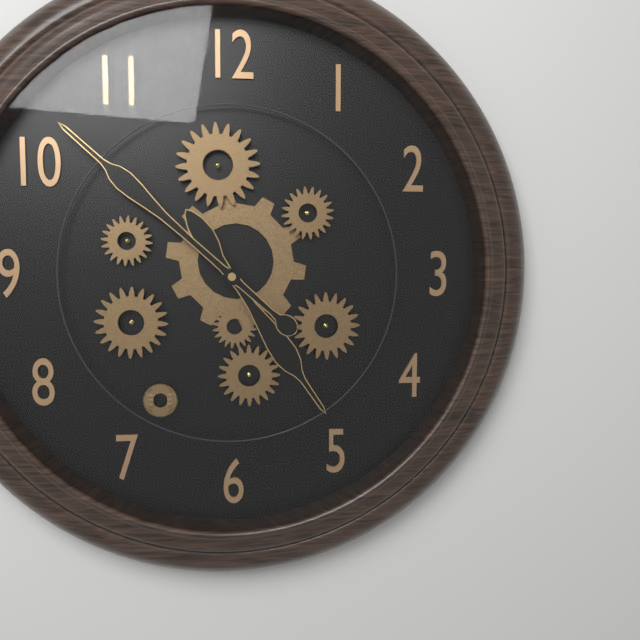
h=4 m=52
